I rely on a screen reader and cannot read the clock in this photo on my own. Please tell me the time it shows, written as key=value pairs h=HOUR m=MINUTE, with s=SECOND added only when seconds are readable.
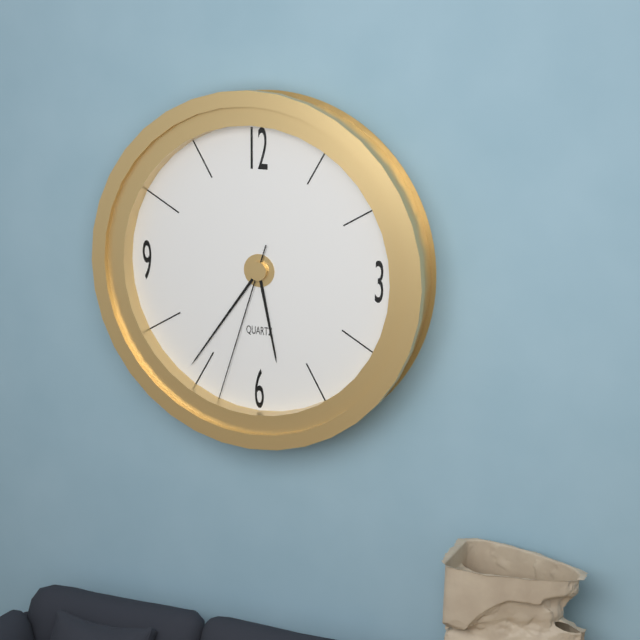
h=5 m=36 s=33
